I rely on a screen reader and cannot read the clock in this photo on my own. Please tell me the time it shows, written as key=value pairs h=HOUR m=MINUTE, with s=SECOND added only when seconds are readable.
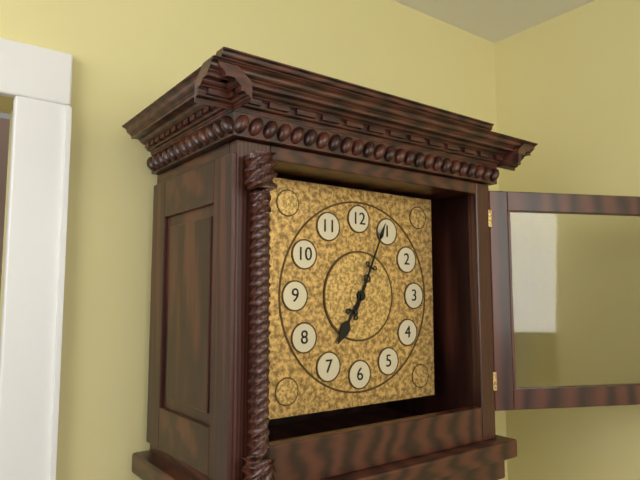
h=7 m=4
